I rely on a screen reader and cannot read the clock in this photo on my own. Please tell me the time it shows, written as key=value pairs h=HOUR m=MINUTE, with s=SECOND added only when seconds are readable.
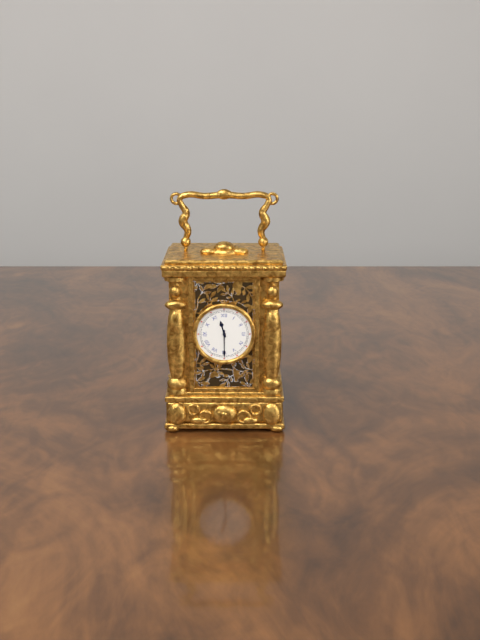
h=11 m=30
